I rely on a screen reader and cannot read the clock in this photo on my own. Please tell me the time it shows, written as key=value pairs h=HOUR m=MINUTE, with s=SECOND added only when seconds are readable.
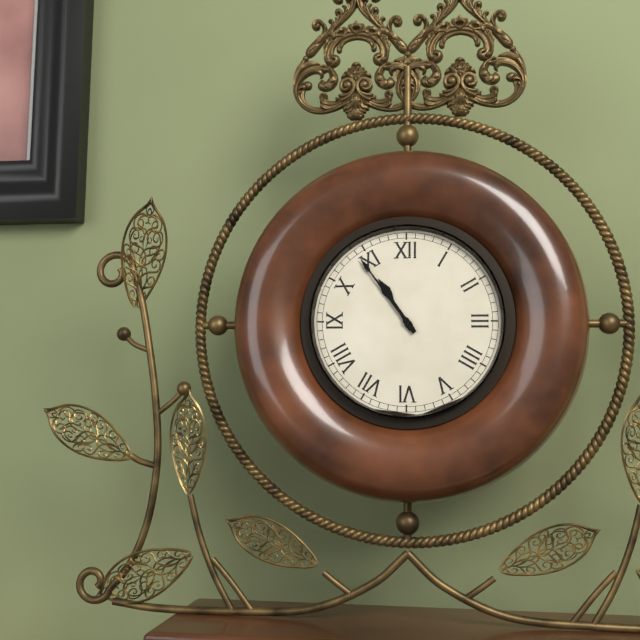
h=10 m=54
